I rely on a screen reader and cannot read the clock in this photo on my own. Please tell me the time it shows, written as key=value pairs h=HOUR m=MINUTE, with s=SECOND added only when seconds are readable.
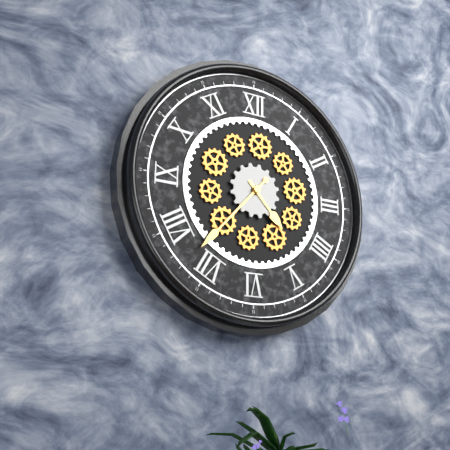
h=4 m=37
